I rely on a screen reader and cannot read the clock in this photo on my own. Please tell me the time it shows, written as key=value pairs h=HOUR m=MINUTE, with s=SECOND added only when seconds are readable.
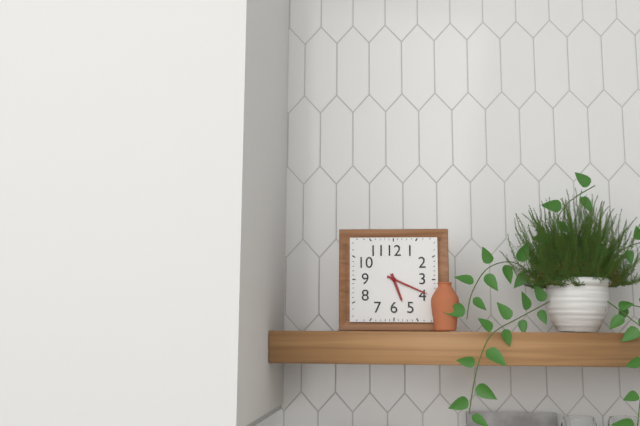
h=5 m=19
